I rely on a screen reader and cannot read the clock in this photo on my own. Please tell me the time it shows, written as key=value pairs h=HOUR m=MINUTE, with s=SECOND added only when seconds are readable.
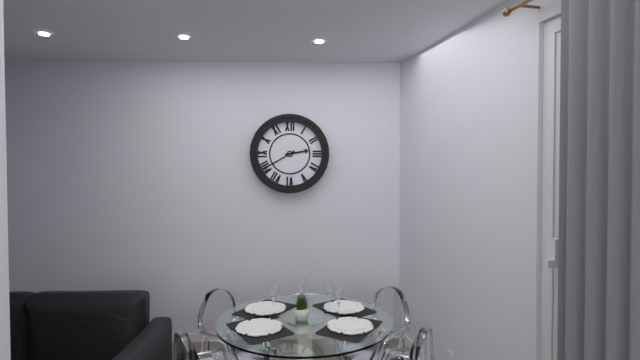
h=2 m=40
